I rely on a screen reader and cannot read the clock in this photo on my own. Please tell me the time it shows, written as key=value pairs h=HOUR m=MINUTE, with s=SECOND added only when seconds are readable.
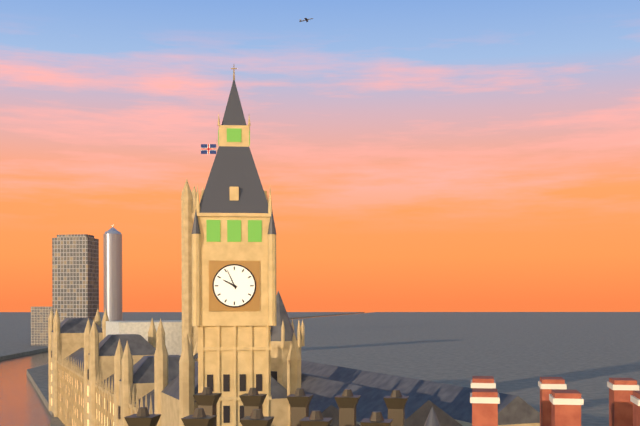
h=9 m=56
